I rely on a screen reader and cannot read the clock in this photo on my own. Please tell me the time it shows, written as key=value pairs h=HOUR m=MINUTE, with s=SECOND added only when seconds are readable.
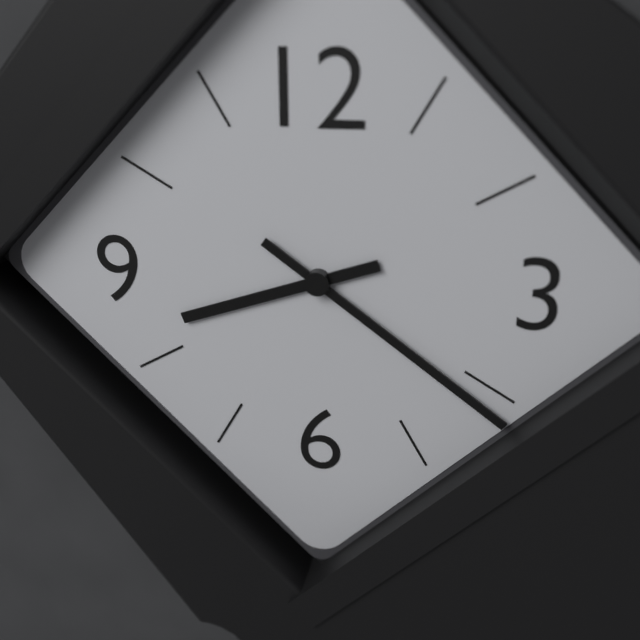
h=8 m=21
